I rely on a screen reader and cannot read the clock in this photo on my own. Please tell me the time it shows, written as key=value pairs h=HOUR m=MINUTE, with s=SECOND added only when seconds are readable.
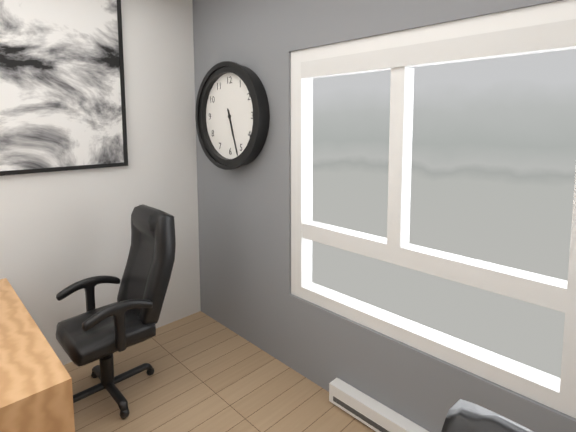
h=5 m=27
